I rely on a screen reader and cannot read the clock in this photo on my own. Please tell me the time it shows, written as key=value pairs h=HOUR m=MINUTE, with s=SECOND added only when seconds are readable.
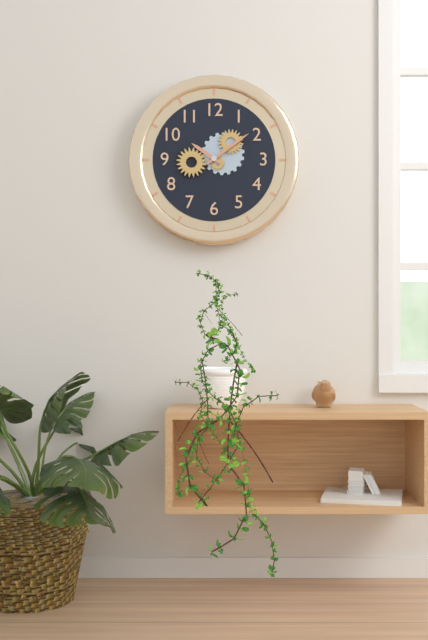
h=10 m=9
